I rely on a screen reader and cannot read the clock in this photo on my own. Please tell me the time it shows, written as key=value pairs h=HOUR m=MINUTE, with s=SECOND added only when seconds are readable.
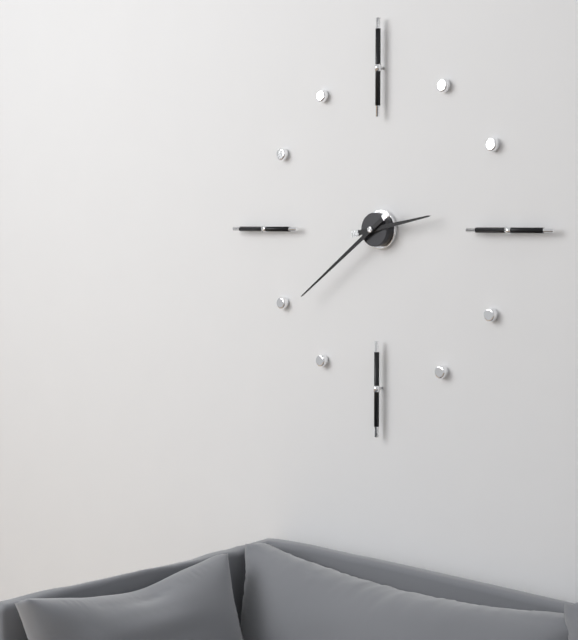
h=2 m=39
